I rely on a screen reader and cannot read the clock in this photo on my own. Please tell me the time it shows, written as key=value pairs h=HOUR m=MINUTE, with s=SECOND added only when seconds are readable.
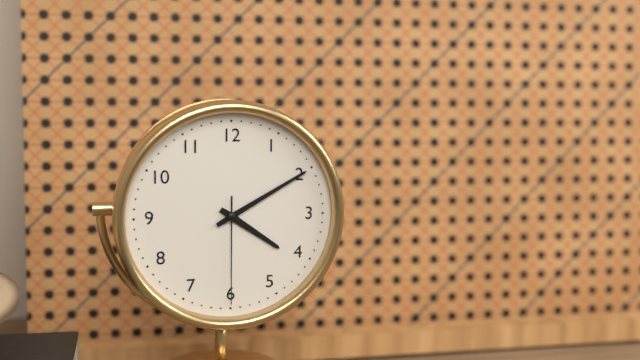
h=4 m=10 s=30
